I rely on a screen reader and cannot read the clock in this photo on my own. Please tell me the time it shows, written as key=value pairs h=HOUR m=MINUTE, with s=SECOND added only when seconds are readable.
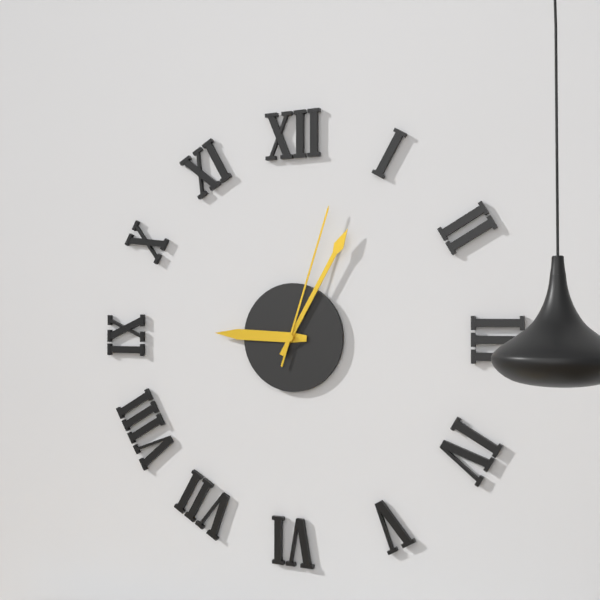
h=9 m=5 s=3
